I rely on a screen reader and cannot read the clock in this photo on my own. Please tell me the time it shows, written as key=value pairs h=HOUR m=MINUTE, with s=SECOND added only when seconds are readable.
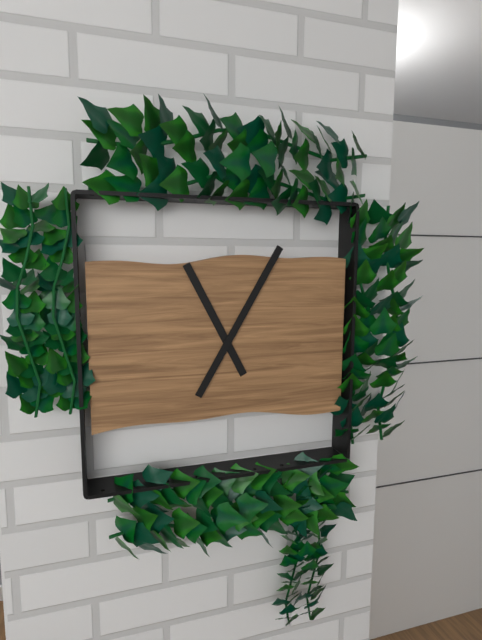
h=11 m=5
